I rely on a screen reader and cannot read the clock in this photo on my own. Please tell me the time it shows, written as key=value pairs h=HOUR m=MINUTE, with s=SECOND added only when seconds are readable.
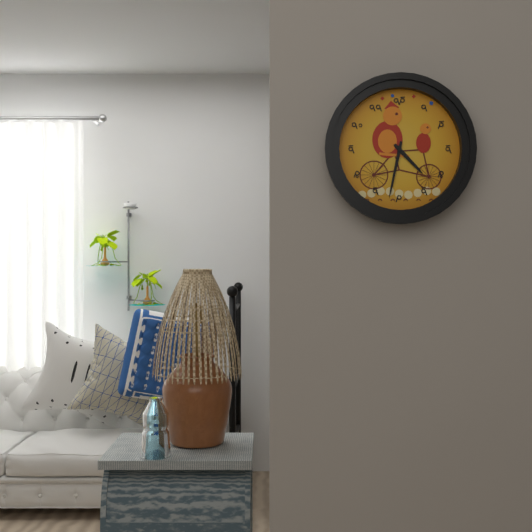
h=4 m=32
